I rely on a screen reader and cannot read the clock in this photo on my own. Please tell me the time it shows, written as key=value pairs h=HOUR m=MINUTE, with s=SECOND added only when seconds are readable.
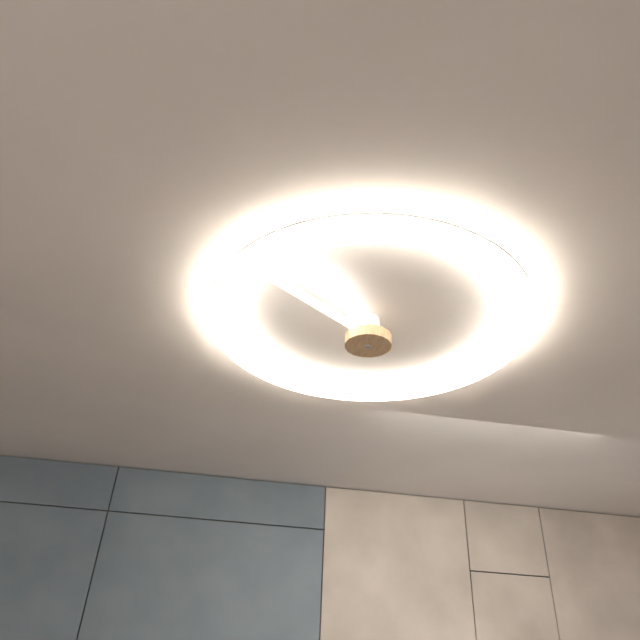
h=11 m=57
